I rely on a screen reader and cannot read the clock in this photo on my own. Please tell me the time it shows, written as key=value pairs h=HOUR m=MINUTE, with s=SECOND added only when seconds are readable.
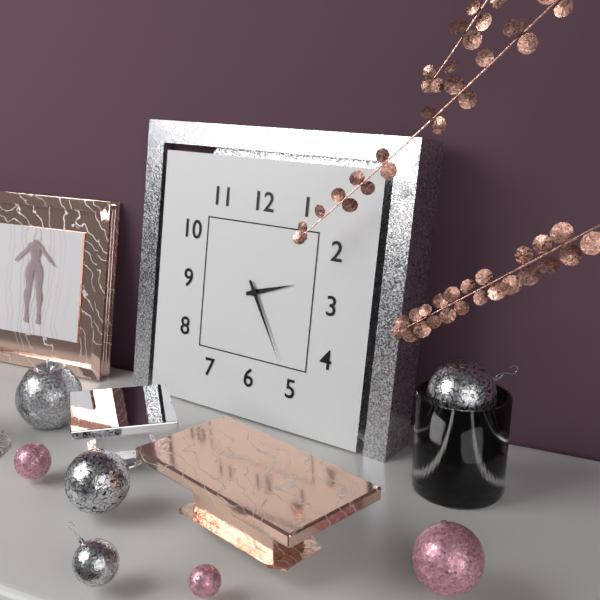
h=2 m=25
